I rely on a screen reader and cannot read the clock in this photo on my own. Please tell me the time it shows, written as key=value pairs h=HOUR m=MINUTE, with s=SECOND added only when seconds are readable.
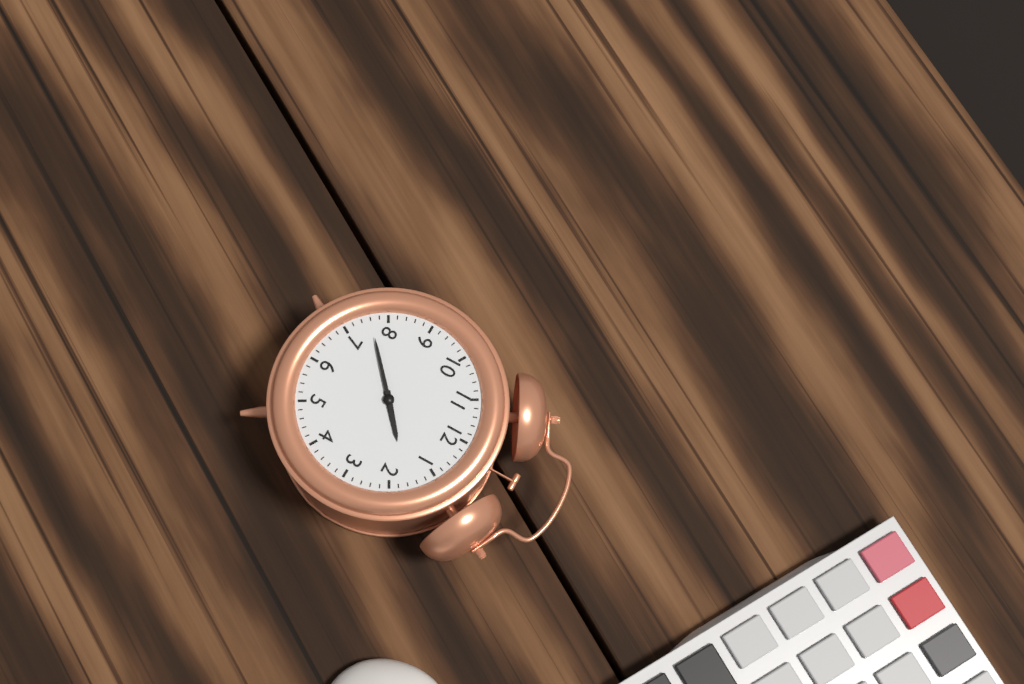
h=1 m=38
